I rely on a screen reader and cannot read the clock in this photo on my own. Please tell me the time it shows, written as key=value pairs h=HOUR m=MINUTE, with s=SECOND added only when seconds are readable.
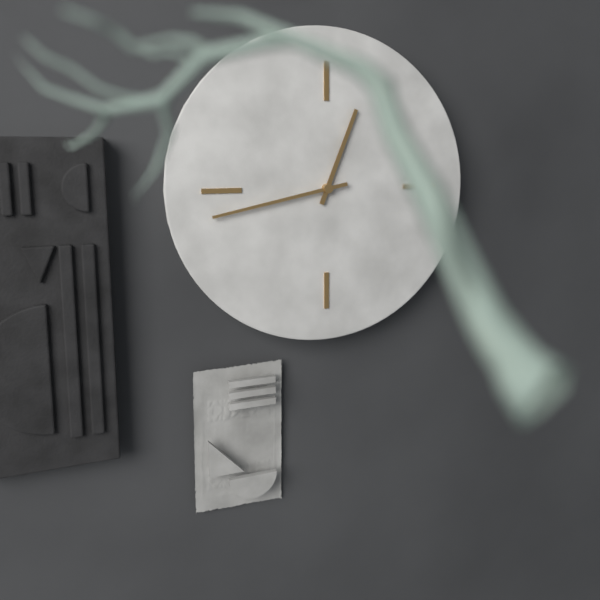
h=12 m=43
